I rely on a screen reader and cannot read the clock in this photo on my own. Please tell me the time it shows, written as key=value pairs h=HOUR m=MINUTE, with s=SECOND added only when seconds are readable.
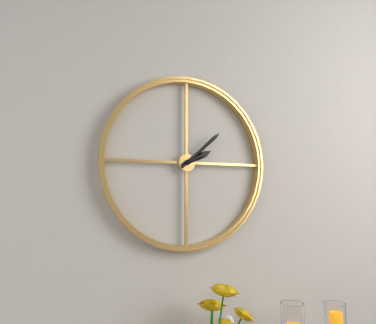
h=2 m=8
